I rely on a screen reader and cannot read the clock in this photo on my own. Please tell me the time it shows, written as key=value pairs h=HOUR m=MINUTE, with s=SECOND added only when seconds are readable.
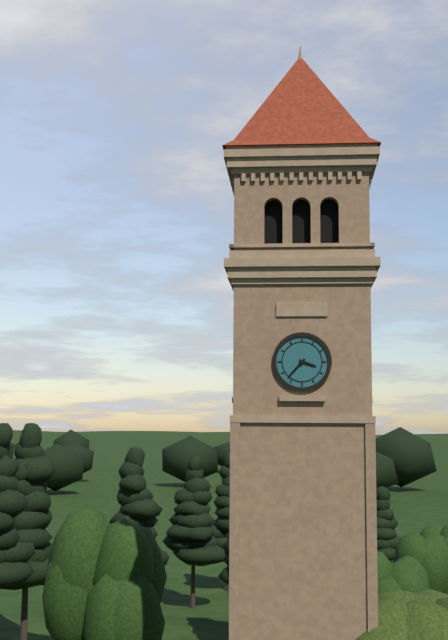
h=3 m=37
